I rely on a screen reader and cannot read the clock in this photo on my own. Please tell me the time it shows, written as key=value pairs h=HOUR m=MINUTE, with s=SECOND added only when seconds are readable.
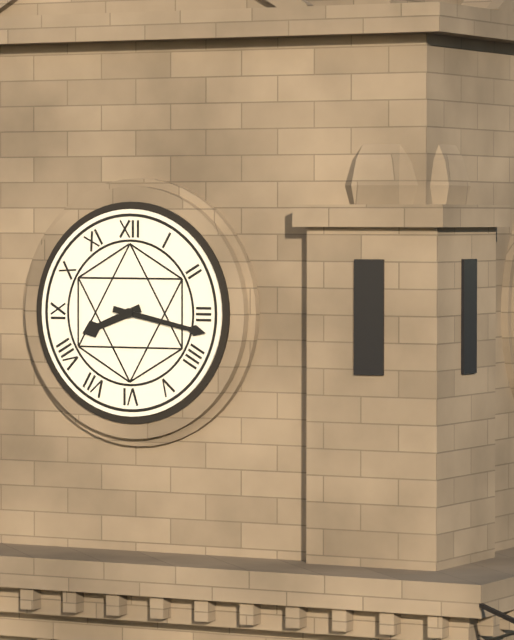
h=8 m=17
